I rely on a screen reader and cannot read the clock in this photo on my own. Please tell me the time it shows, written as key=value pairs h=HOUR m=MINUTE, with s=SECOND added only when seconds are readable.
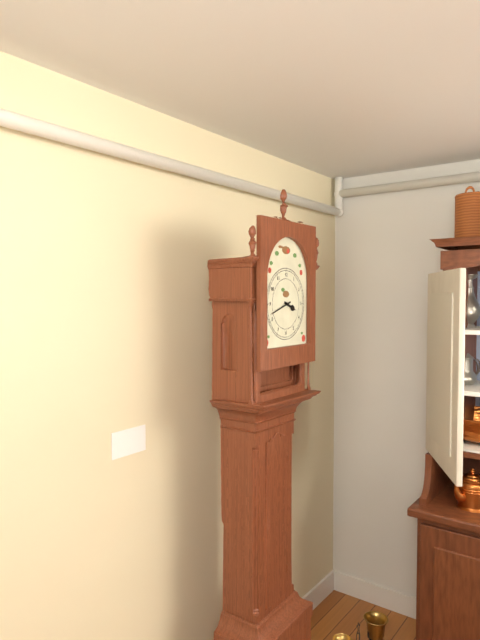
h=3 m=42
